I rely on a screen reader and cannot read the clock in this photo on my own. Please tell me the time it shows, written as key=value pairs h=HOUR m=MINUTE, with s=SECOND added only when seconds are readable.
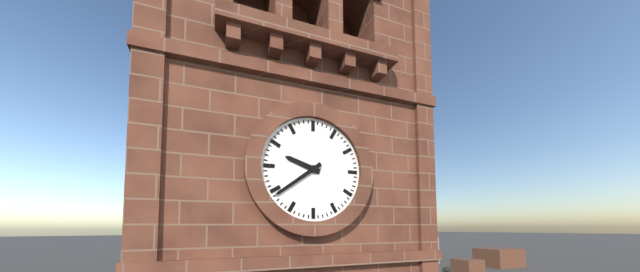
h=9 m=39
